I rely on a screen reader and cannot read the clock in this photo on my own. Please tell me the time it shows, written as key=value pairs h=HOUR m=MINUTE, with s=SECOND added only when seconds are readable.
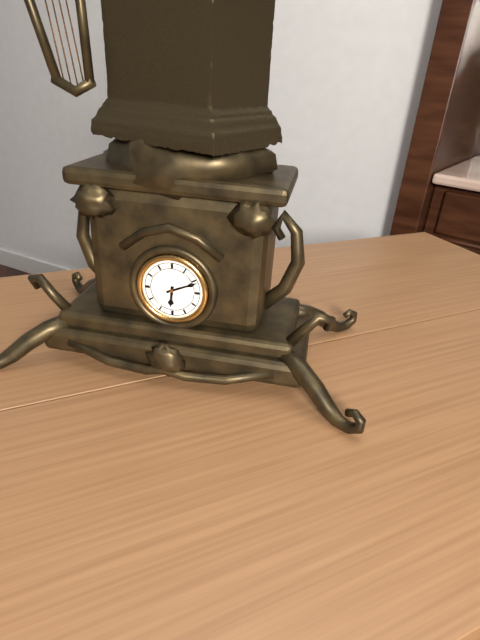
h=6 m=11
